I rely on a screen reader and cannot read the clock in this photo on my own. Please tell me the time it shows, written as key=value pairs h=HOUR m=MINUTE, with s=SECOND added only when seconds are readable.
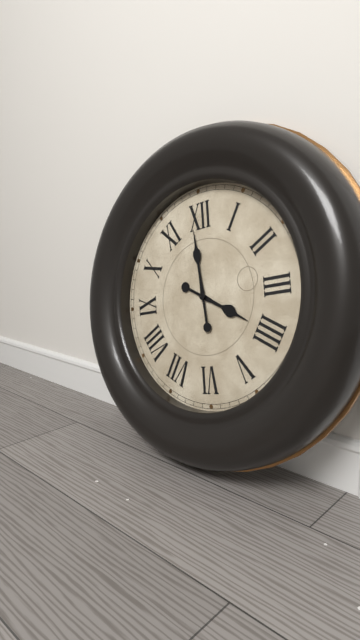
h=3 m=59
